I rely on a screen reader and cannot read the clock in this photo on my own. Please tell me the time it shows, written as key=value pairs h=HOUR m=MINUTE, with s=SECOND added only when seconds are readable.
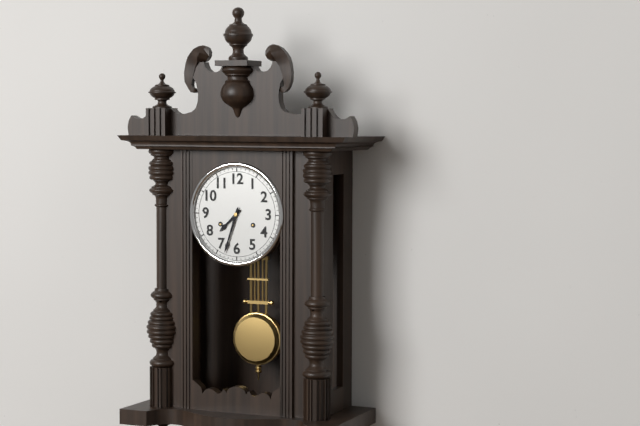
h=7 m=33
